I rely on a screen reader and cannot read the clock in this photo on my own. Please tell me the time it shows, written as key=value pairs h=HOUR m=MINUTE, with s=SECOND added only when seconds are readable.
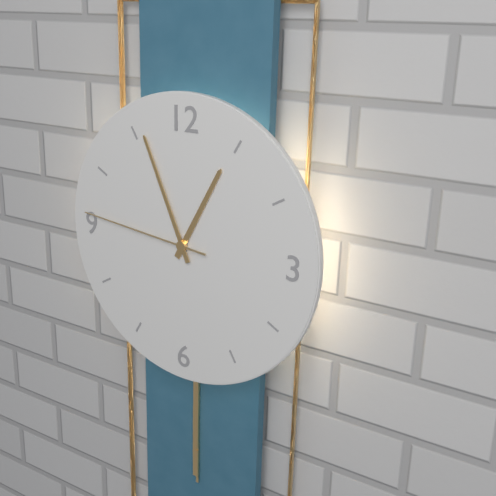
h=12 m=56 s=46
